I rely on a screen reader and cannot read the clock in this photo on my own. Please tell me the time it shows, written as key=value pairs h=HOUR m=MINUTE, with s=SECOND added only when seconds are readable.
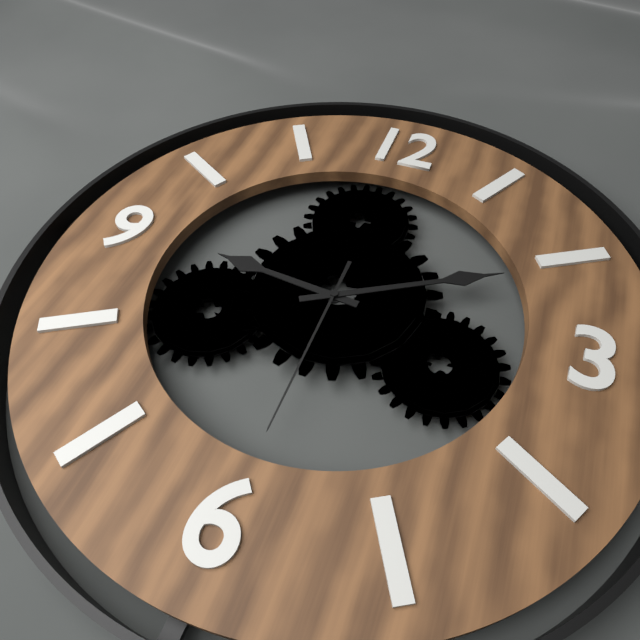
h=9 m=10 s=30
